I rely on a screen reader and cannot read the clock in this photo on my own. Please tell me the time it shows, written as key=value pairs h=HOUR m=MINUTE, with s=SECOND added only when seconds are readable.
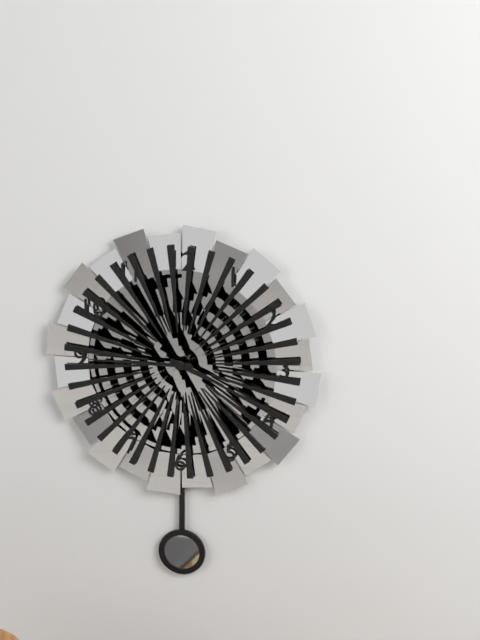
h=3 m=45
